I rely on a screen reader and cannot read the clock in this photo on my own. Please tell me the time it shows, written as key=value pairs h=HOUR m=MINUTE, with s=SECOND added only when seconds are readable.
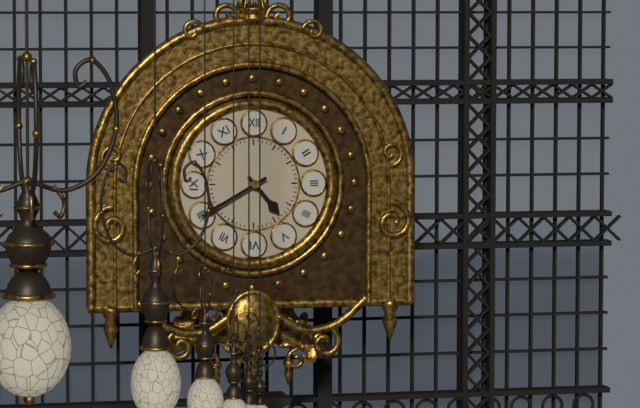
h=4 m=40
